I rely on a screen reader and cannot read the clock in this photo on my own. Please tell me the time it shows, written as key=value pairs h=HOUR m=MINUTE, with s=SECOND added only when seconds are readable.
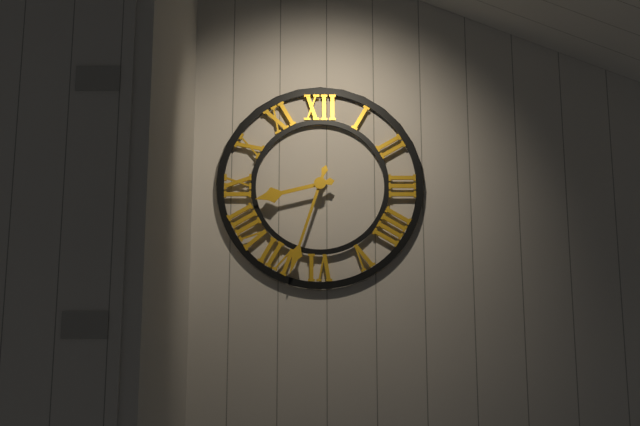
h=8 m=33
